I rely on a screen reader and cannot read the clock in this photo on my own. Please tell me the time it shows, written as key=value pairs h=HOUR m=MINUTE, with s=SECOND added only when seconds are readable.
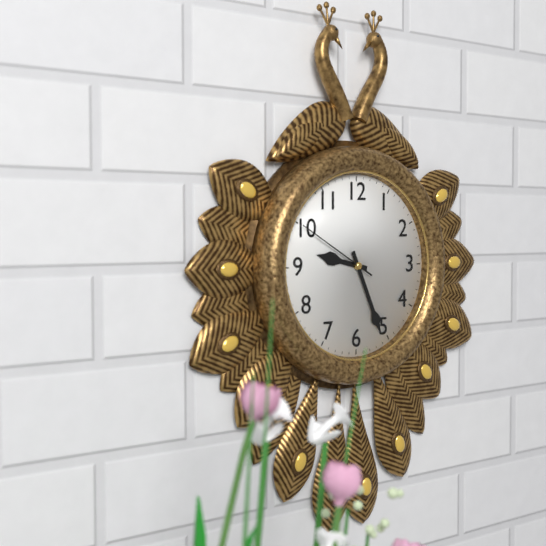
h=9 m=26 s=50
